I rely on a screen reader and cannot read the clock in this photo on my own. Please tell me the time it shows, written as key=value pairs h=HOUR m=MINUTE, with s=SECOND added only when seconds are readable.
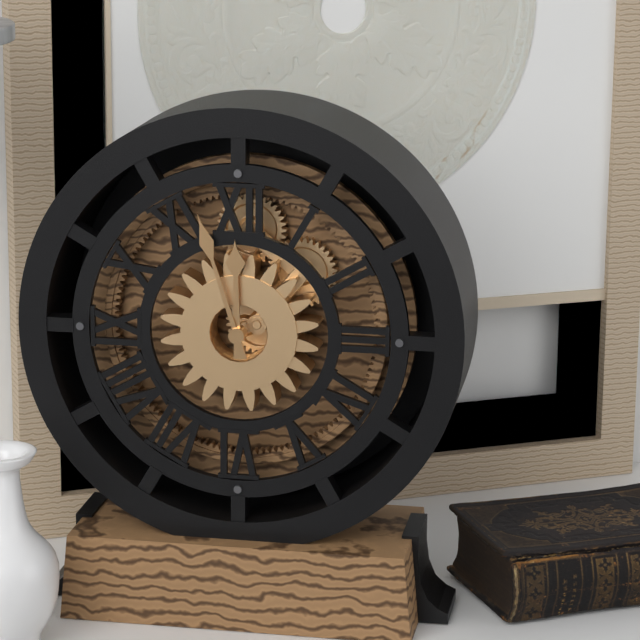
h=11 m=57
